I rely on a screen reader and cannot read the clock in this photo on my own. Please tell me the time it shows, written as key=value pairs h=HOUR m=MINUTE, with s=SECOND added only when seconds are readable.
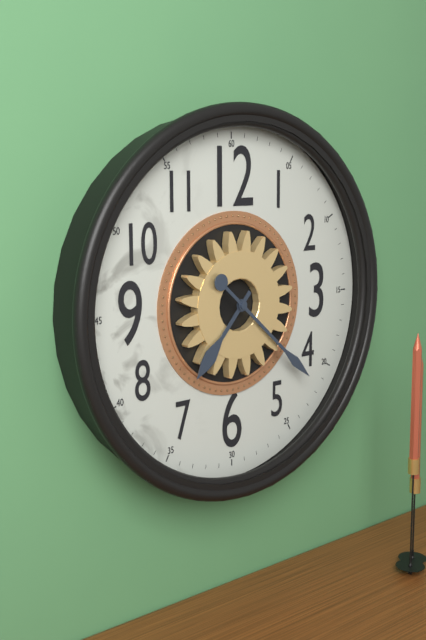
h=7 m=22
